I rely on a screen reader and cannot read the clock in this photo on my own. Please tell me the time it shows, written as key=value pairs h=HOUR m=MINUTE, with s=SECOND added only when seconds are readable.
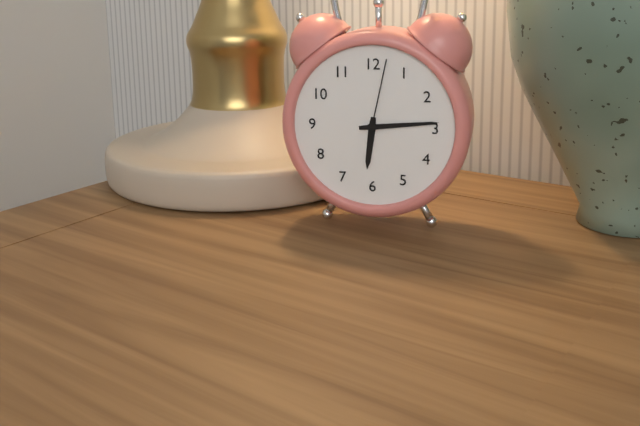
h=6 m=14 s=2
